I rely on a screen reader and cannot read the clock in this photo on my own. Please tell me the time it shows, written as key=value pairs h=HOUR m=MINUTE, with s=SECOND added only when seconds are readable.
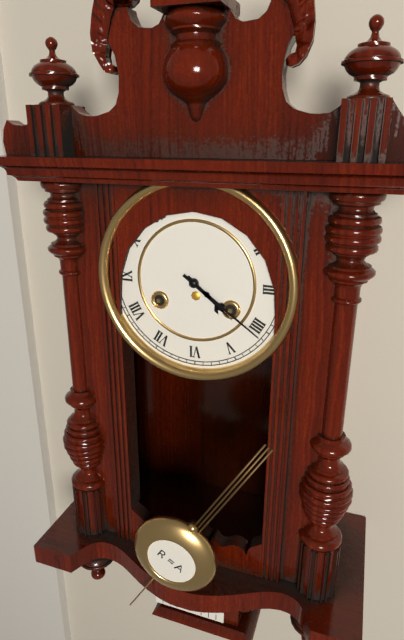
h=4 m=21
